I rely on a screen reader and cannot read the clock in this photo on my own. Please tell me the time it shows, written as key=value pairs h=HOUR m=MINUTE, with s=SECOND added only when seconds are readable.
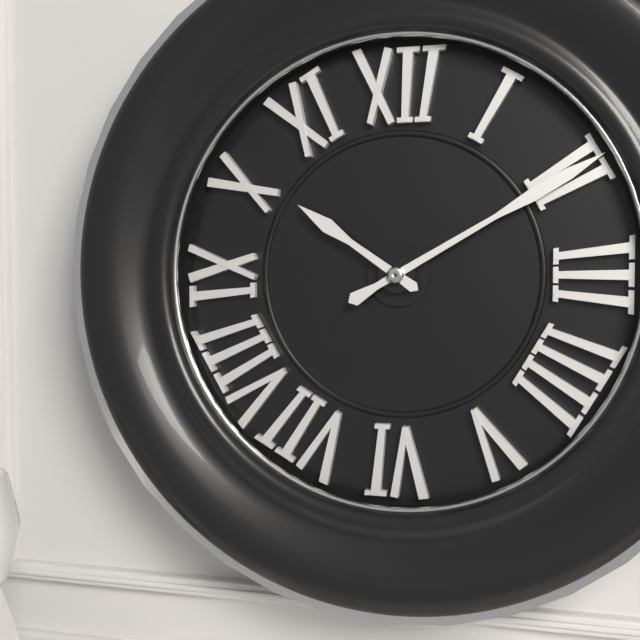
h=10 m=10
